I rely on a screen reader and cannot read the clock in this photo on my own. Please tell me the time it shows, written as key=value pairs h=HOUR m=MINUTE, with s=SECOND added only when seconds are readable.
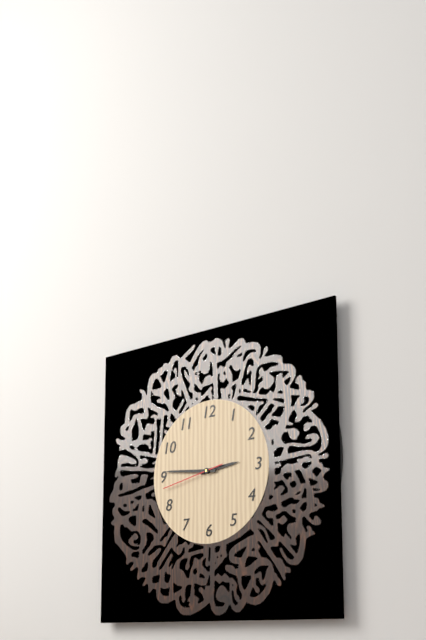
h=2 m=46 s=43
